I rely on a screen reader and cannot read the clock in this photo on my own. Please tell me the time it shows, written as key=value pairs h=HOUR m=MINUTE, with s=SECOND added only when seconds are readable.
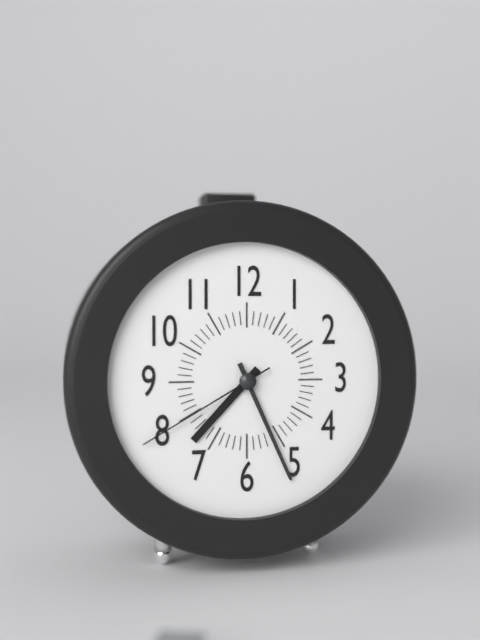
h=7 m=26 s=40
